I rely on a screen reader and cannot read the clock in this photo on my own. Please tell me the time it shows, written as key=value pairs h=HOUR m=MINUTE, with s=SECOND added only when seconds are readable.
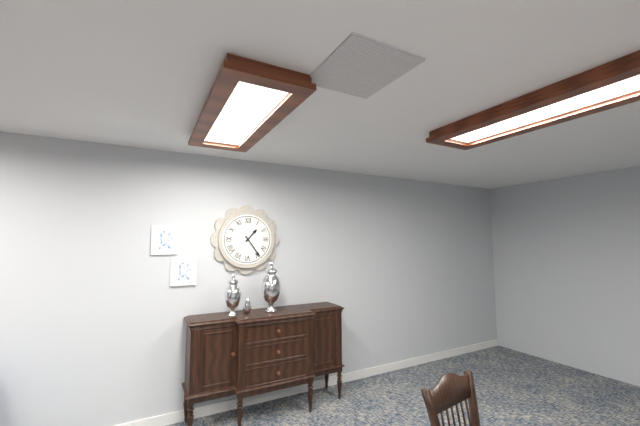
h=1 m=24
